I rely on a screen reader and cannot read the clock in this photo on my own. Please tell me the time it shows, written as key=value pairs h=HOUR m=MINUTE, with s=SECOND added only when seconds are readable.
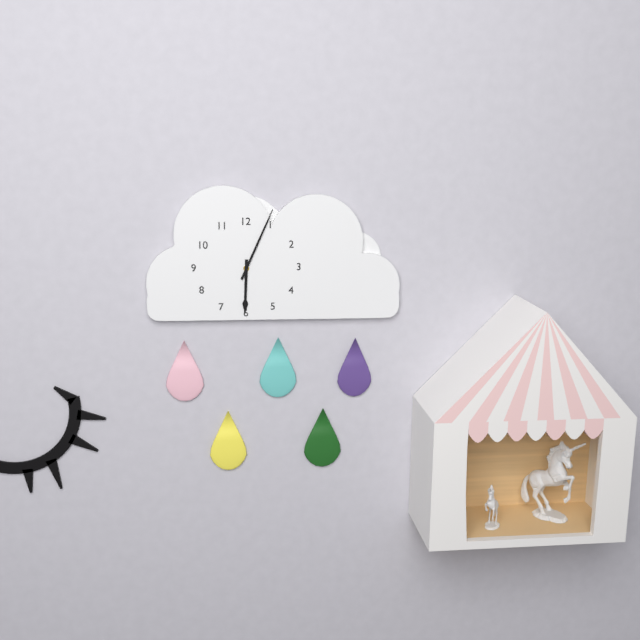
h=6 m=4
